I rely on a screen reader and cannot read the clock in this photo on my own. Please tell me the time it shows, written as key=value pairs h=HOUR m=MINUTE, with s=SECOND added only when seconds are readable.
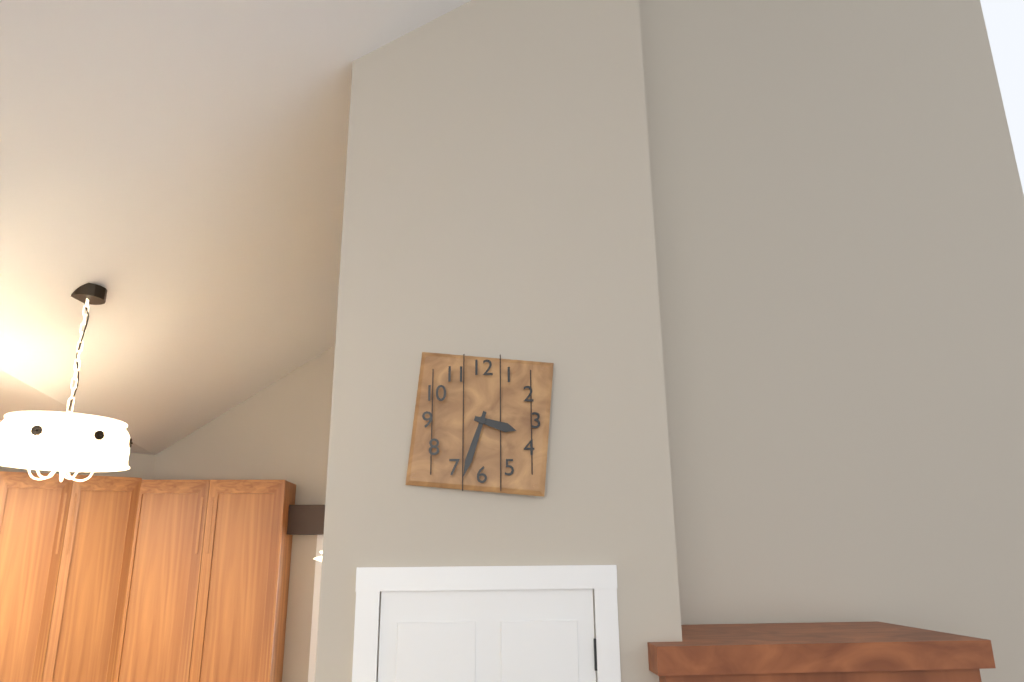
h=3 m=33
